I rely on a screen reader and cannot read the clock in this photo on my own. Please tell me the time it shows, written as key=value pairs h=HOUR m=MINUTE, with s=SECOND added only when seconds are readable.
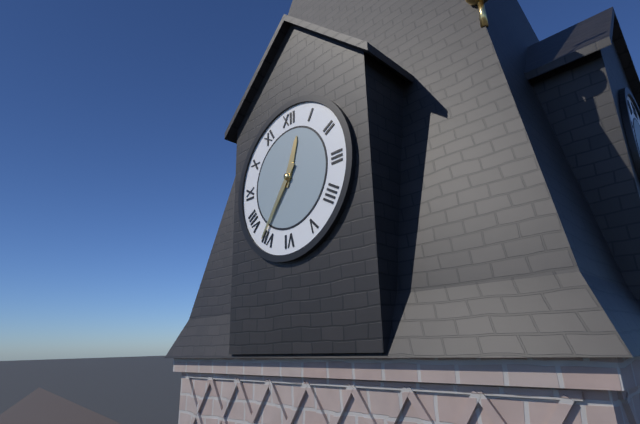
h=12 m=36
